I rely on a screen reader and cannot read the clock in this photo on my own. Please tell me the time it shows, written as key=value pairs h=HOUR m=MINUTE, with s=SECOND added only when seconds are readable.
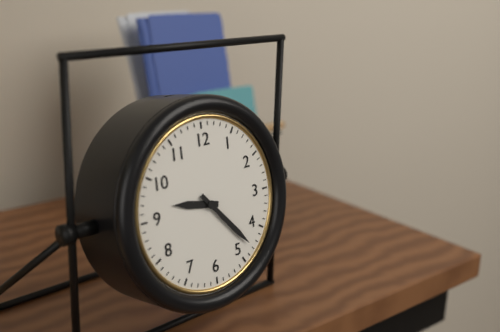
h=9 m=23
